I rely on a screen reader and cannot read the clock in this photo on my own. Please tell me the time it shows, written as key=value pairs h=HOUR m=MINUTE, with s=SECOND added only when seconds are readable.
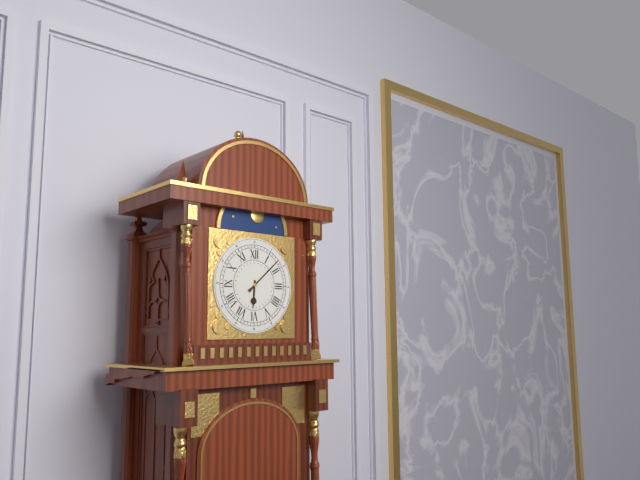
h=6 m=8
